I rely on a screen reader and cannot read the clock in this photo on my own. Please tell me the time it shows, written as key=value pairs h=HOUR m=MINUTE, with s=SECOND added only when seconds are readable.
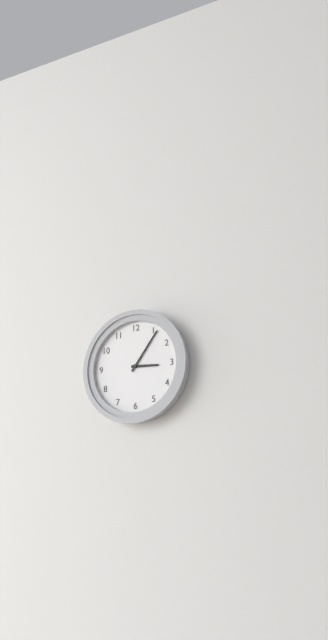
h=3 m=6
